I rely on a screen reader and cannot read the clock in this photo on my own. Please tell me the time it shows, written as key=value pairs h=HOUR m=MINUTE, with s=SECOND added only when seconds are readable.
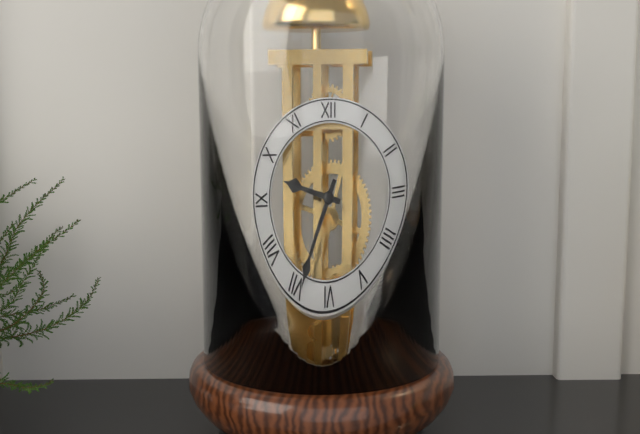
h=9 m=34
